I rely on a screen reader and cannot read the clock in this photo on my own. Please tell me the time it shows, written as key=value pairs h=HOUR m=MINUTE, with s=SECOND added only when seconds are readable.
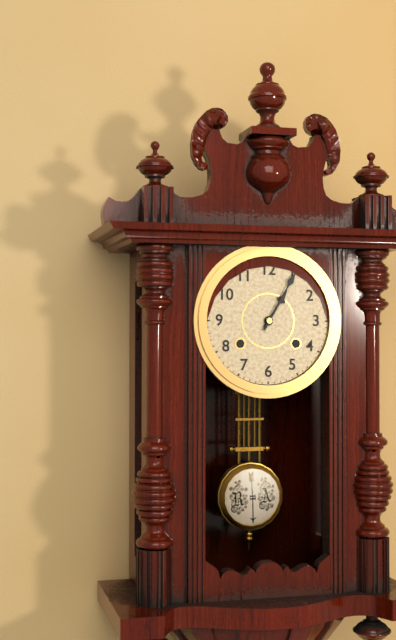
h=1 m=5
